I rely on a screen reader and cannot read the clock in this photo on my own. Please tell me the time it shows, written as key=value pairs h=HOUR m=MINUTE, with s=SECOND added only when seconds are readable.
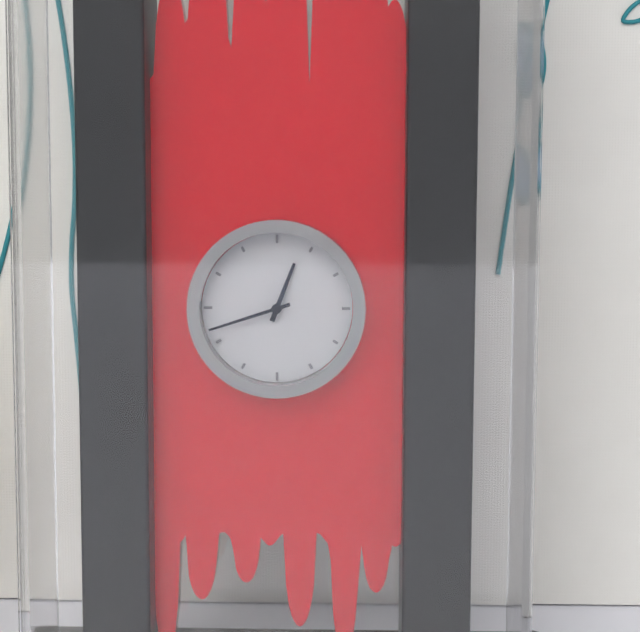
h=12 m=42
